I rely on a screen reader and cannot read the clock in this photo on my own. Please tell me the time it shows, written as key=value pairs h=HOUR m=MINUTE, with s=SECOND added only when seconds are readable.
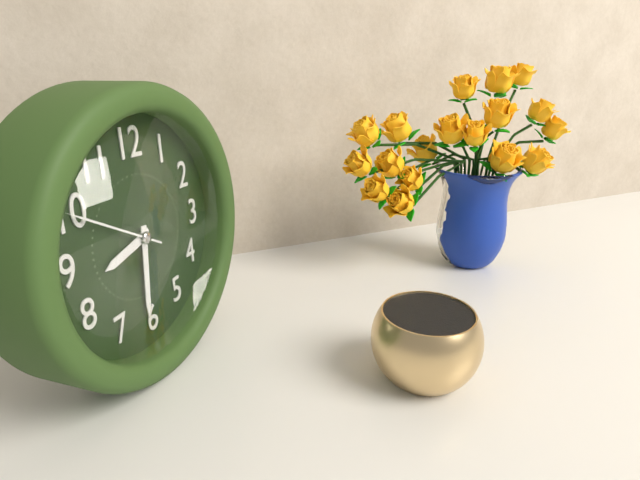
h=8 m=31 s=50
